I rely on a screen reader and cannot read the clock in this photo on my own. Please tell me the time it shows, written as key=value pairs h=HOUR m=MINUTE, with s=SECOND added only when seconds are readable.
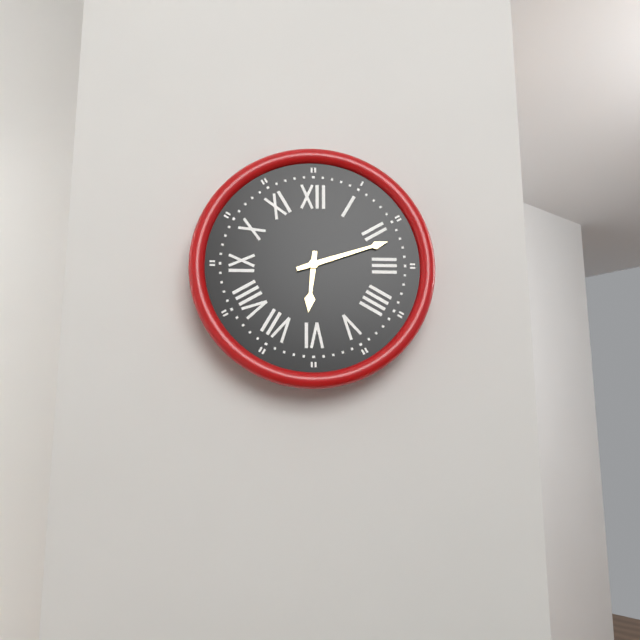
h=6 m=12
